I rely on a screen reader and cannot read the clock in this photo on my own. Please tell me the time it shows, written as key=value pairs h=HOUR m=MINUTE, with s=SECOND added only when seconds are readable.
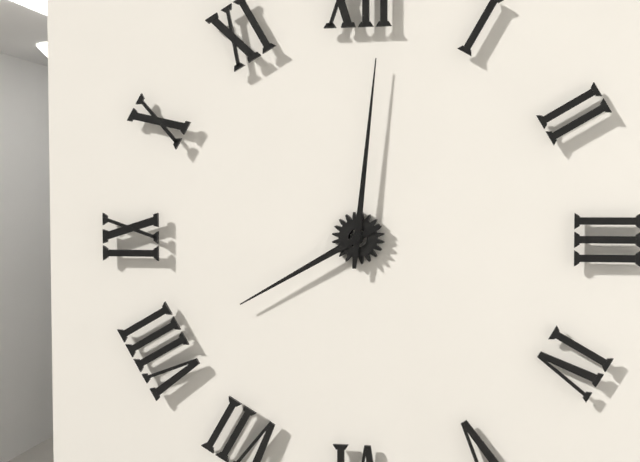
h=8 m=1
